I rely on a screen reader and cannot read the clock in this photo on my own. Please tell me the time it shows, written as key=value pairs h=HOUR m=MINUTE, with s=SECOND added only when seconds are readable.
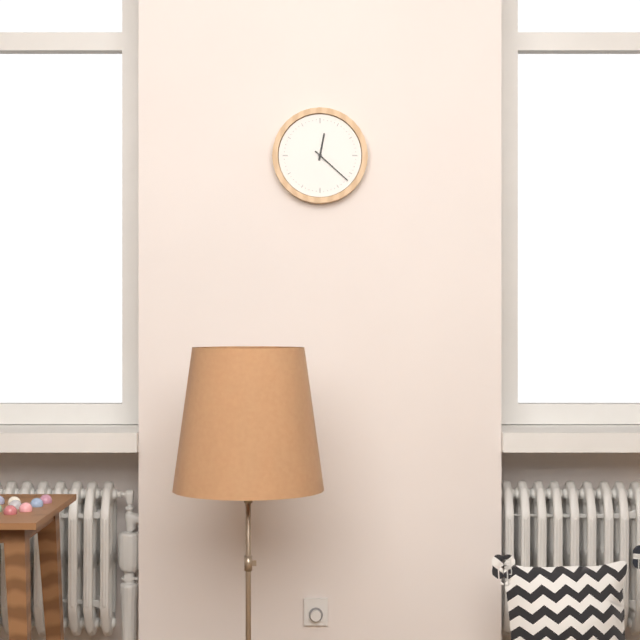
h=12 m=22
